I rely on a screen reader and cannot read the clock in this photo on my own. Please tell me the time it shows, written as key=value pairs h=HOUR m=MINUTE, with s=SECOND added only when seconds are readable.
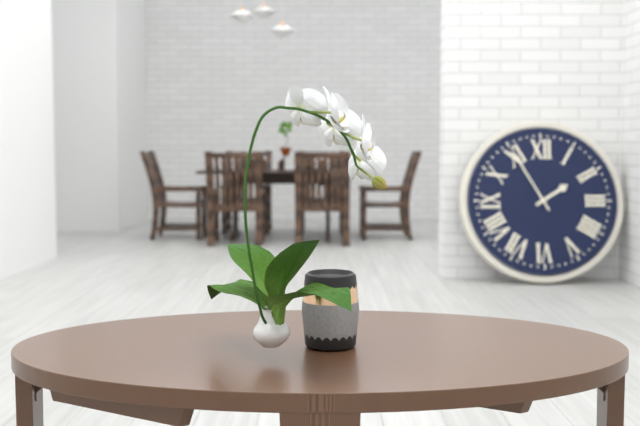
h=1 m=55
